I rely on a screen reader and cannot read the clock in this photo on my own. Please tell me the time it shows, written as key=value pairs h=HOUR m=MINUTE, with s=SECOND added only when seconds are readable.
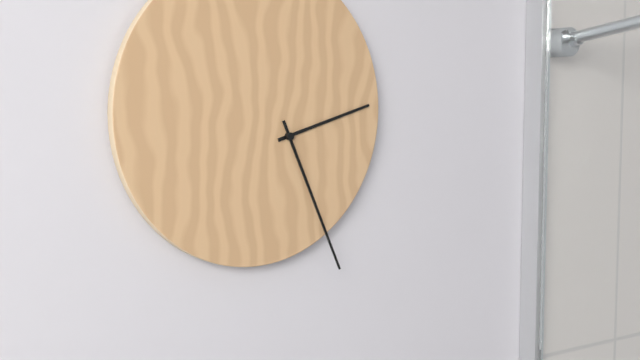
h=2 m=26
